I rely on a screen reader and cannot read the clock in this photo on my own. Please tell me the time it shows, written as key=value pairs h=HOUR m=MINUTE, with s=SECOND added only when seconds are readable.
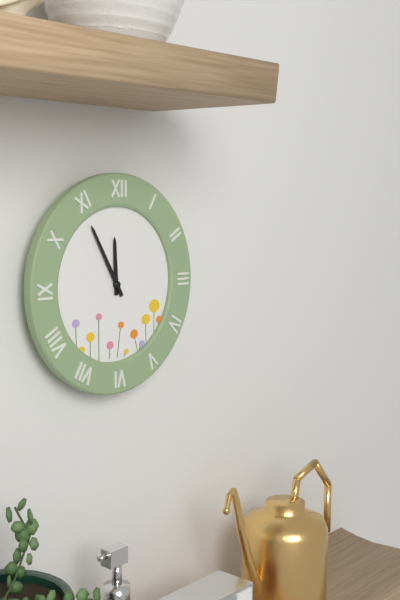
h=11 m=55
